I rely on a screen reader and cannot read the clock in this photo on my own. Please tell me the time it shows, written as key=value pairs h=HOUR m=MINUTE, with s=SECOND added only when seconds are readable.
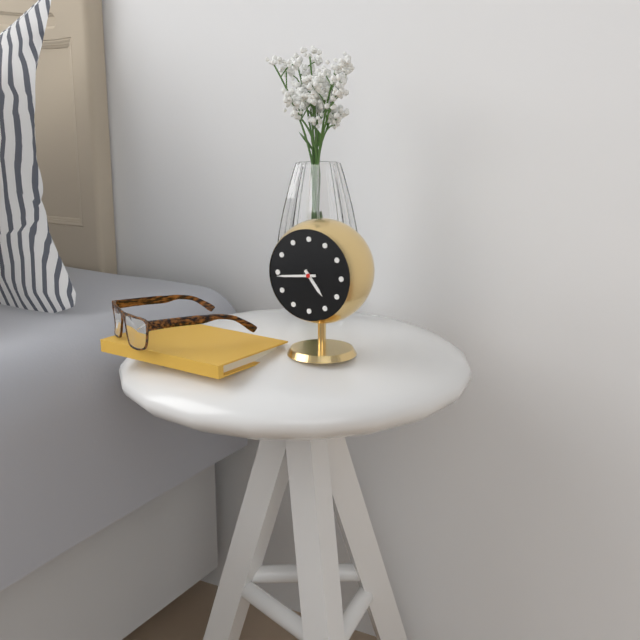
h=4 m=44
